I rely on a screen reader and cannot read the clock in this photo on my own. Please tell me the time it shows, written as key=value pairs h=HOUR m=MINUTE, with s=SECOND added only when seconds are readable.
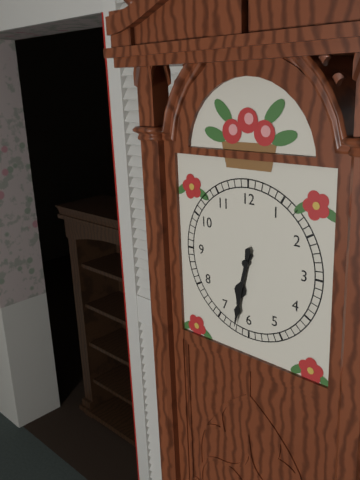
h=6 m=32
